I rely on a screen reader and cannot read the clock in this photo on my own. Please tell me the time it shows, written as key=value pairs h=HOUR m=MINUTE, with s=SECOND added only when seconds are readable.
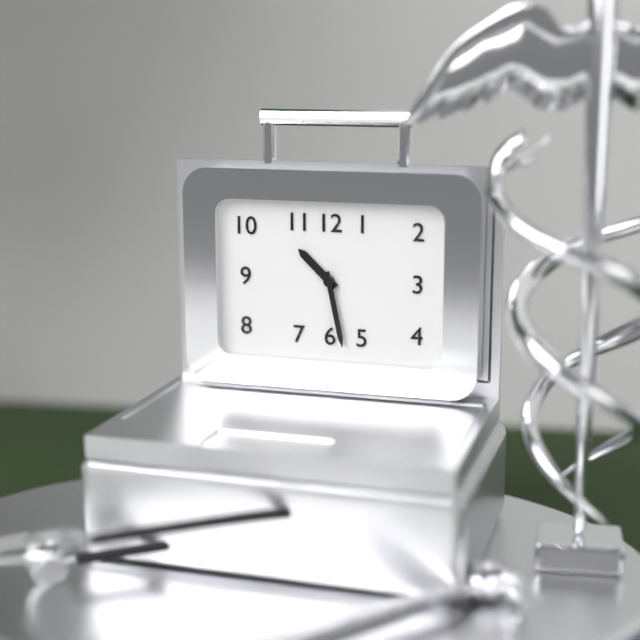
h=10 m=28
